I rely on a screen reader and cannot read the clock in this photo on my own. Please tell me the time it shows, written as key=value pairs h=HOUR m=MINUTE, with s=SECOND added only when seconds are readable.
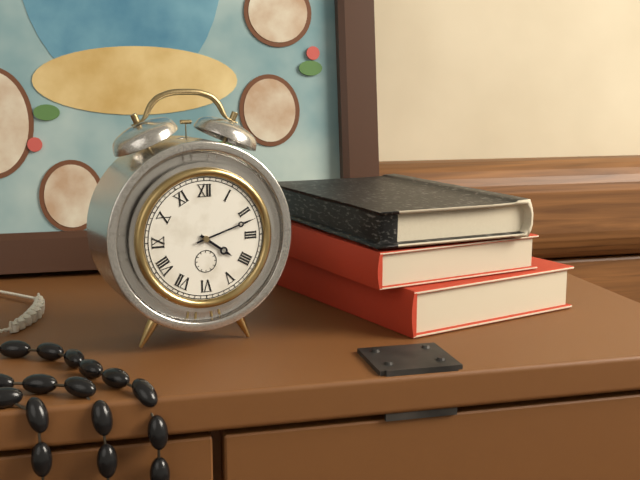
h=4 m=12
